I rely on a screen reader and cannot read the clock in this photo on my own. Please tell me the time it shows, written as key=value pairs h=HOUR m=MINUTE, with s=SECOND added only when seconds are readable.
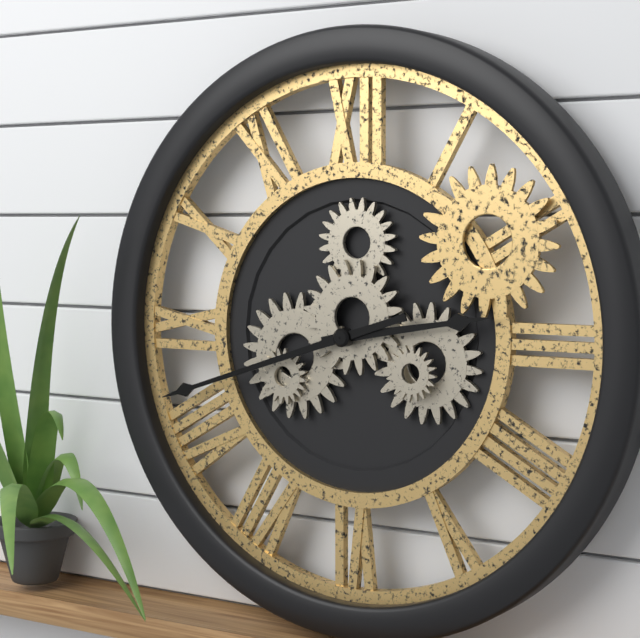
h=2 m=42
